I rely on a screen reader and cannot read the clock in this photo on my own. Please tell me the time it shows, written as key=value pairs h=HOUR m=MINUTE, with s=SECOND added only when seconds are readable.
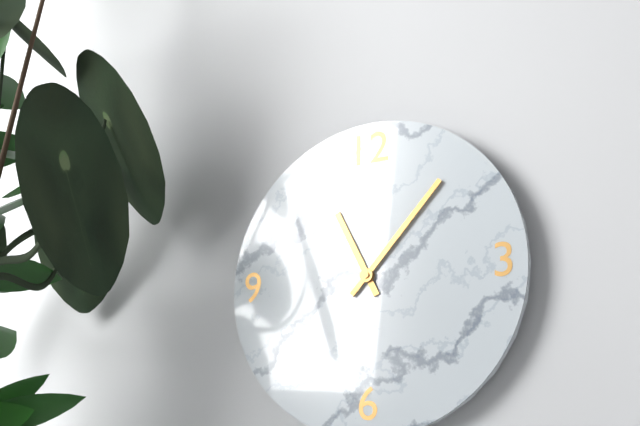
h=11 m=7
